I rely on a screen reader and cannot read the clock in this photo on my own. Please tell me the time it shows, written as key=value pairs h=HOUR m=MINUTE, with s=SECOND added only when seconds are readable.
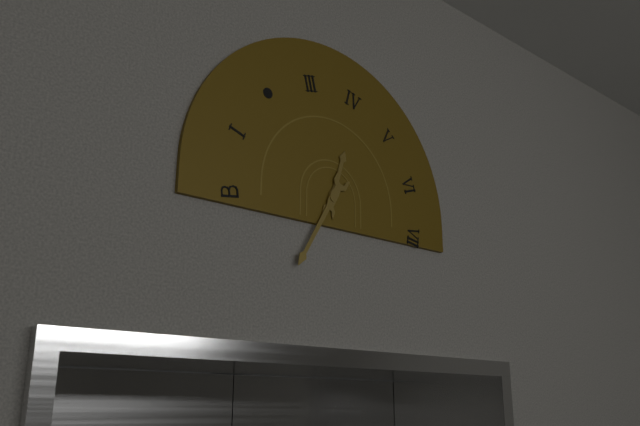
h=12 m=35
